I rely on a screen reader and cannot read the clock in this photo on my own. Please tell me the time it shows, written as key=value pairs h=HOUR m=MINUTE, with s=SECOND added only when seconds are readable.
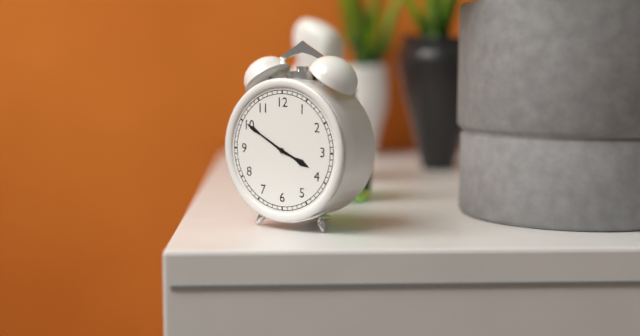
h=3 m=50
